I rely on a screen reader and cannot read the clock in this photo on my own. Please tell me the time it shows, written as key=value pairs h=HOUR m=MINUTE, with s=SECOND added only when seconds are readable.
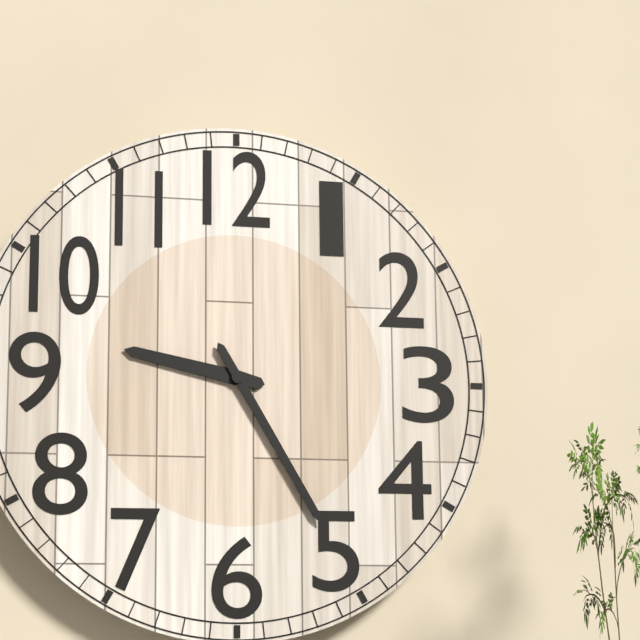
h=9 m=25
